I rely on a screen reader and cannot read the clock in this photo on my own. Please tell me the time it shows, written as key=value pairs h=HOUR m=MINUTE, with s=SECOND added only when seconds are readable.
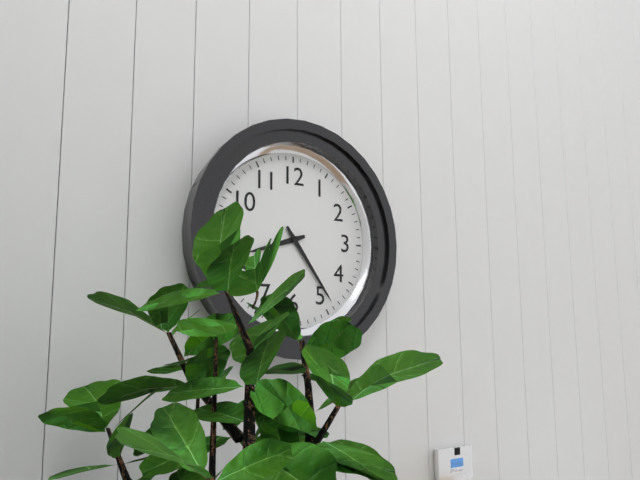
h=8 m=24
